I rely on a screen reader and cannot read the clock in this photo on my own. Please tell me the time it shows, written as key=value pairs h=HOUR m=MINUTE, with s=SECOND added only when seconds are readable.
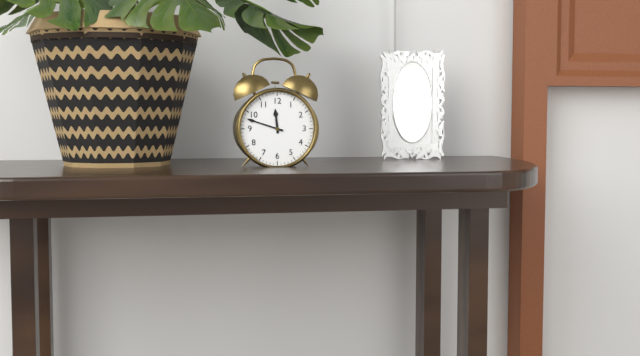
h=11 m=48
